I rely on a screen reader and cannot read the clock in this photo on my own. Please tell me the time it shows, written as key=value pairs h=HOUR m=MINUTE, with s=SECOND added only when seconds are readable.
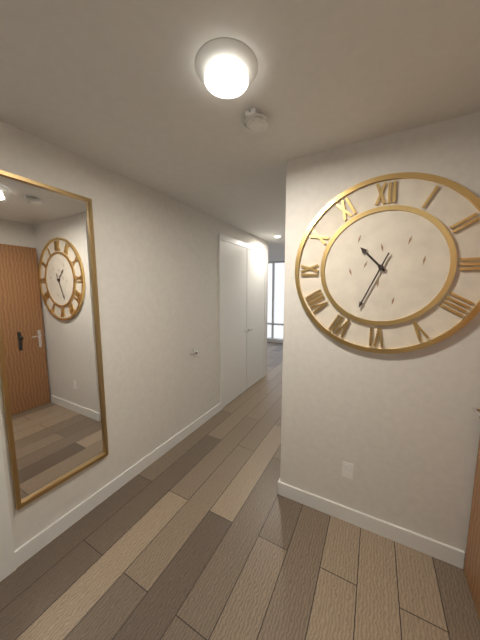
h=10 m=34
